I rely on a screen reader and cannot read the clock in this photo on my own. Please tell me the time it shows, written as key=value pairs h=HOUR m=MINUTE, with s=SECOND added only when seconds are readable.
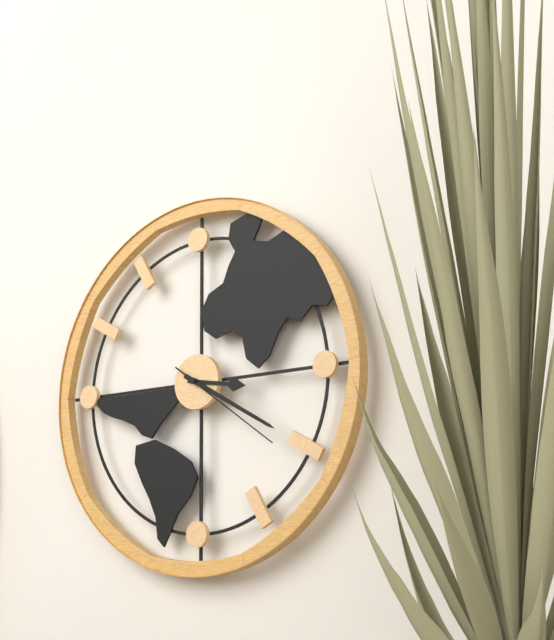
h=3 m=20 s=21
